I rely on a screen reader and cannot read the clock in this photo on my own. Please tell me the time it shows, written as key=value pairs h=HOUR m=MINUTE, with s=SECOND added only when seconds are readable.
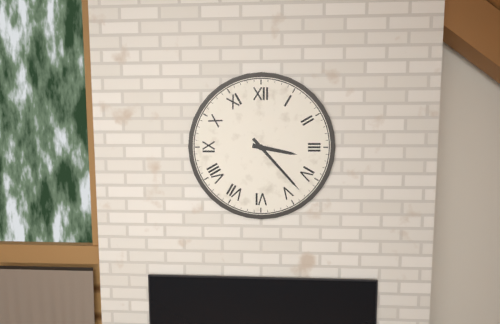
h=3 m=23
